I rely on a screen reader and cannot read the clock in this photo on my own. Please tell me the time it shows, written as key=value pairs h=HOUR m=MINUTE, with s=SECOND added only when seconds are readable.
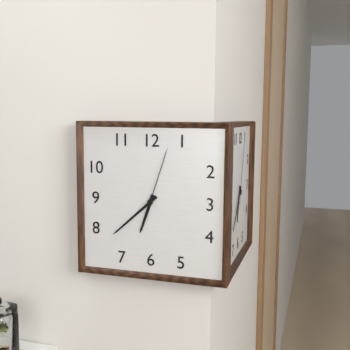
h=6 m=38 s=3
